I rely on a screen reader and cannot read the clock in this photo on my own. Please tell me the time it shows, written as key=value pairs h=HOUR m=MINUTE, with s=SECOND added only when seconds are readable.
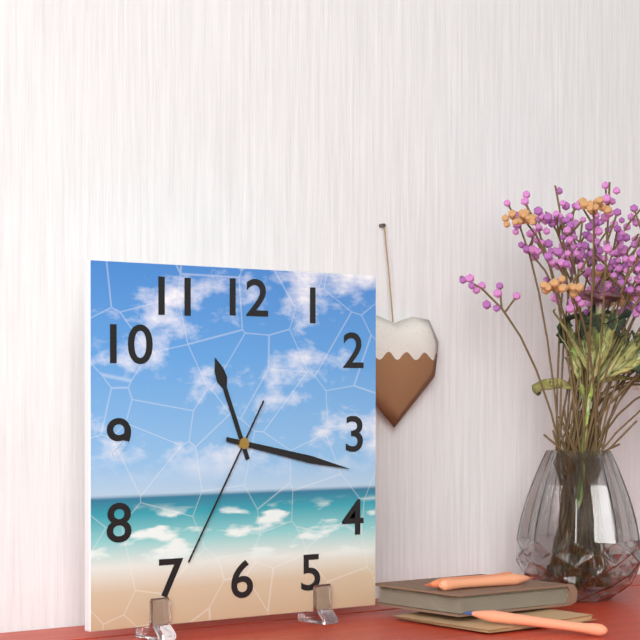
h=11 m=17 s=35
